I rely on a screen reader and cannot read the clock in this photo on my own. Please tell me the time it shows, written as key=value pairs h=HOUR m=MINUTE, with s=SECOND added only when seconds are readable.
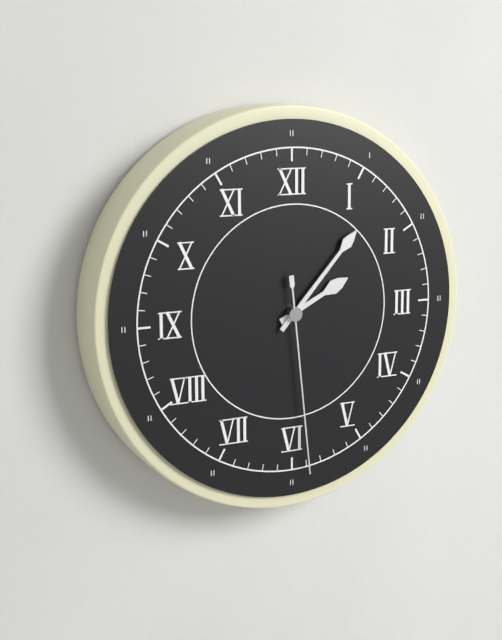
h=2 m=7 s=29
